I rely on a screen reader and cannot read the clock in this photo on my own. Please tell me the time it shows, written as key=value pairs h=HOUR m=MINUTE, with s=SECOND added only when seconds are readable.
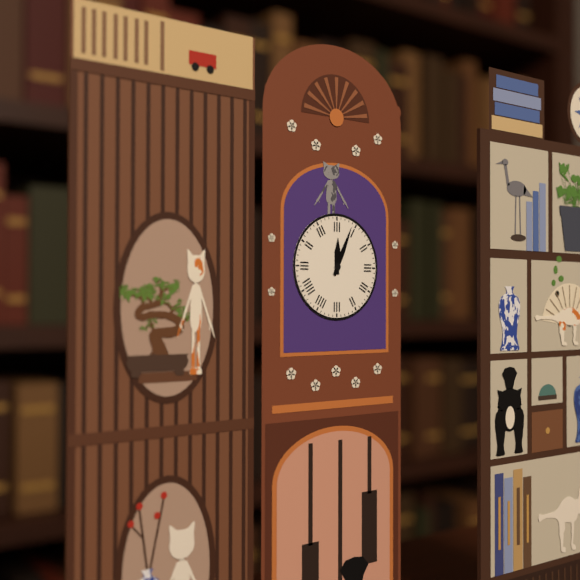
h=12 m=4
